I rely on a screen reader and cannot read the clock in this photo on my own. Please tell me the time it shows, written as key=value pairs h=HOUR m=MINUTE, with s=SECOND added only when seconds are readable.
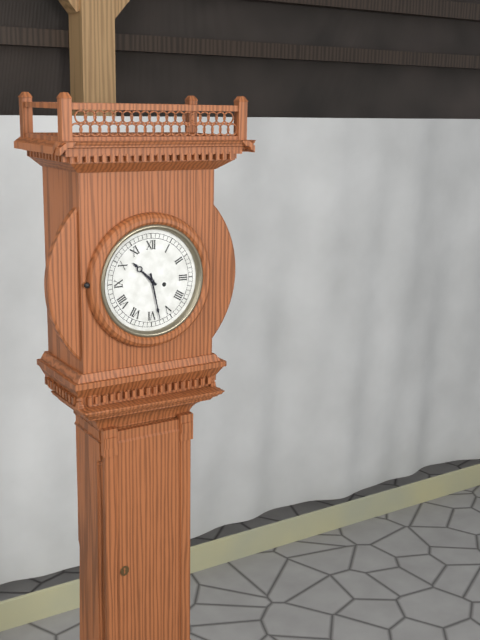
h=10 m=28
